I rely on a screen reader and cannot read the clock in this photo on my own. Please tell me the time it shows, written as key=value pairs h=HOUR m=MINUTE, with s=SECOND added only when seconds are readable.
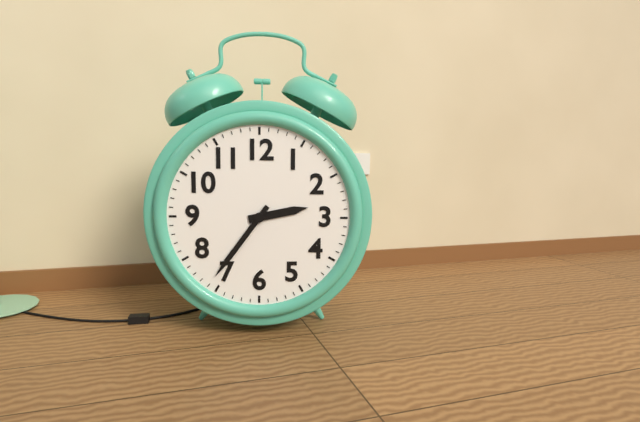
h=2 m=36
